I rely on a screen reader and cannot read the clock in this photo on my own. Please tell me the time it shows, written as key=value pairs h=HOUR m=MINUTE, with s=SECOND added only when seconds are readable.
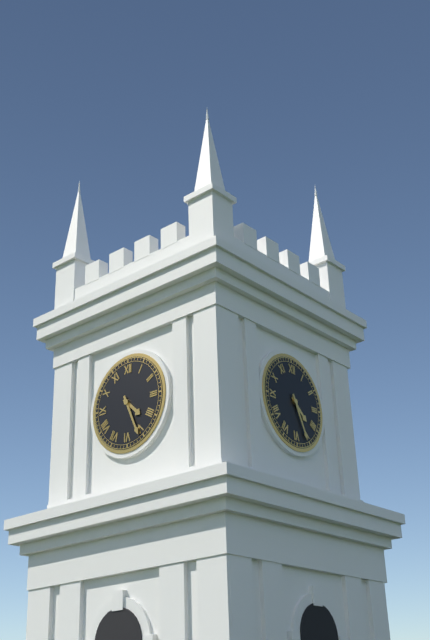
h=4 m=26
